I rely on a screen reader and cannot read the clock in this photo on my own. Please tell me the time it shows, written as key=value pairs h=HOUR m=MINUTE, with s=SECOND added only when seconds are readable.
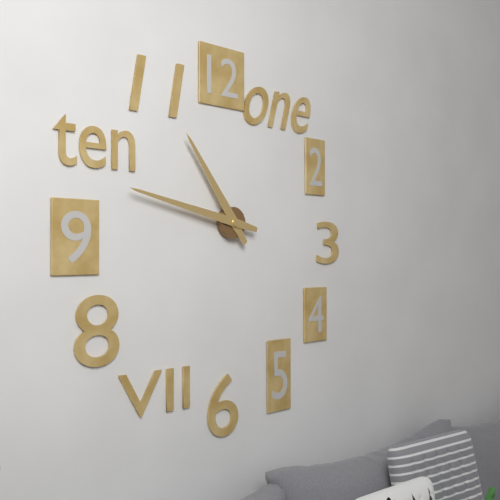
h=10 m=47
